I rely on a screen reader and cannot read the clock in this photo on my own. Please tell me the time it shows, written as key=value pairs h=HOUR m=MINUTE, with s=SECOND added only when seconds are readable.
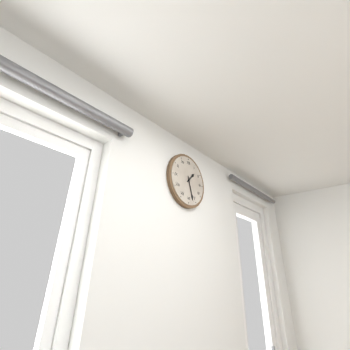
h=1 m=27
